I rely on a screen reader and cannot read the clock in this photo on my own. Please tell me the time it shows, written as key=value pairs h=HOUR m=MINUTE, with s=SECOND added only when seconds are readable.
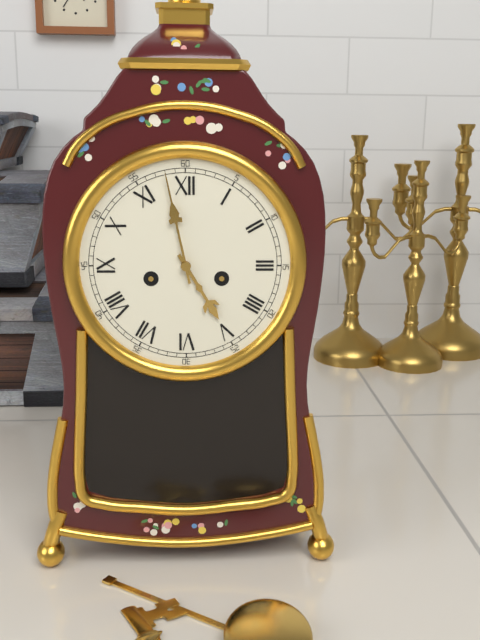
h=4 m=58
